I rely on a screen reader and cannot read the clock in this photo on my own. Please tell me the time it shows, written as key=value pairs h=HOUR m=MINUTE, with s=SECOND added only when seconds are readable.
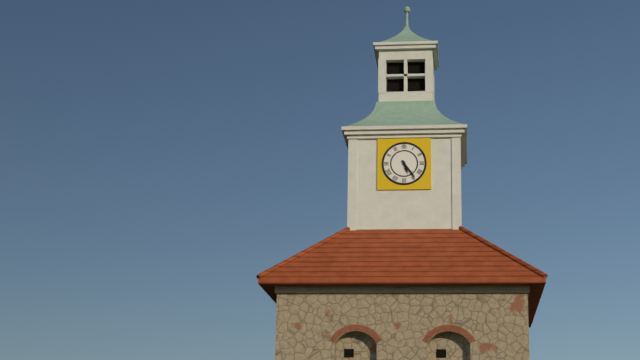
h=5 m=24
